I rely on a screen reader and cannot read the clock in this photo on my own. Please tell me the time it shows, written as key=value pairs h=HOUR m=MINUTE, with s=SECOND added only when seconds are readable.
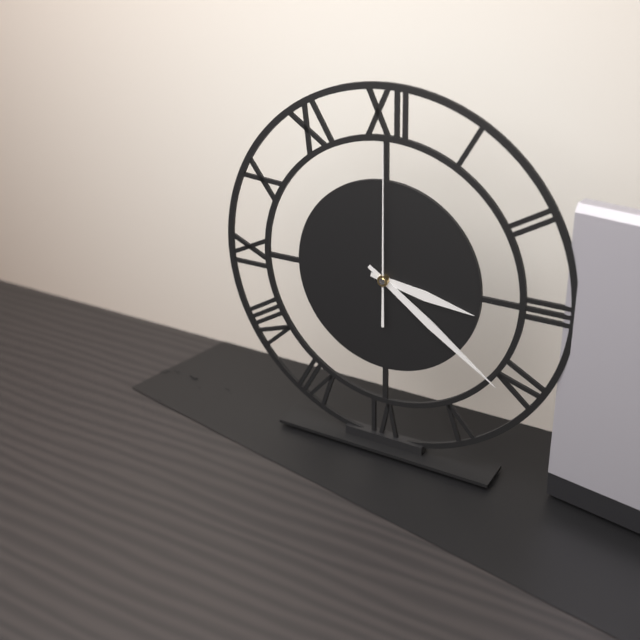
h=3 m=21 s=0
